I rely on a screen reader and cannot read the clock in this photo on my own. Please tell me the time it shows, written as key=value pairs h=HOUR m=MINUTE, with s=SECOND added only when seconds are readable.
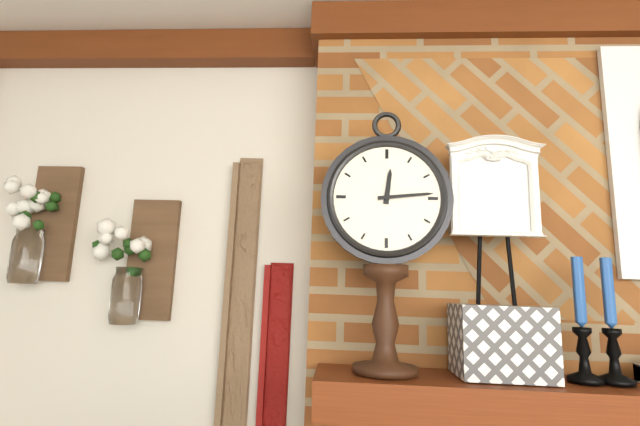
h=12 m=14
